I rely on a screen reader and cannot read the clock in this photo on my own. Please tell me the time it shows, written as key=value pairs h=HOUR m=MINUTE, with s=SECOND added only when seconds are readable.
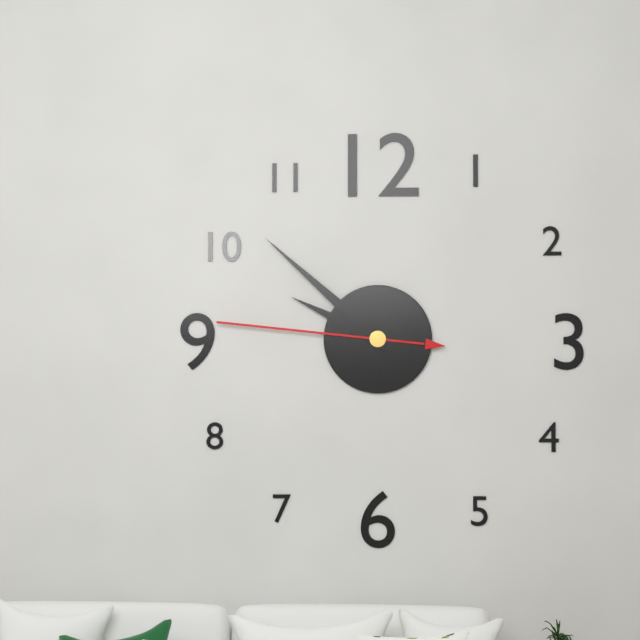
h=9 m=52 s=46
